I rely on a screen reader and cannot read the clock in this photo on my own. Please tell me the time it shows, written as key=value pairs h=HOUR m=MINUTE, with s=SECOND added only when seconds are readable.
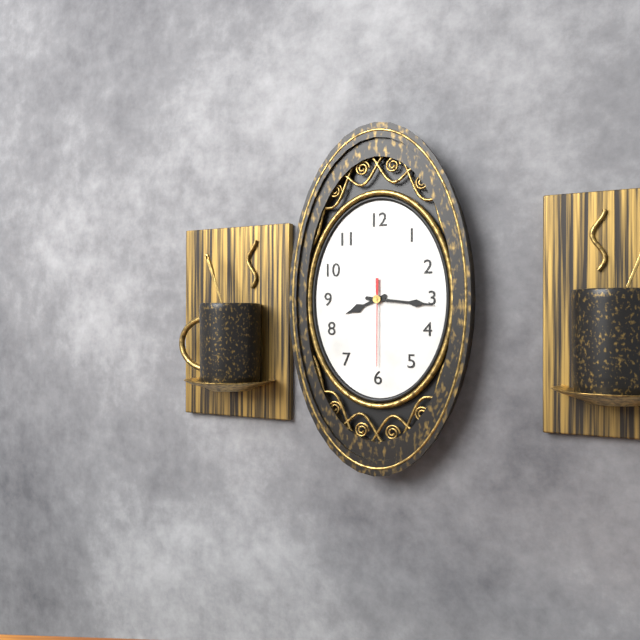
h=8 m=16 s=30
